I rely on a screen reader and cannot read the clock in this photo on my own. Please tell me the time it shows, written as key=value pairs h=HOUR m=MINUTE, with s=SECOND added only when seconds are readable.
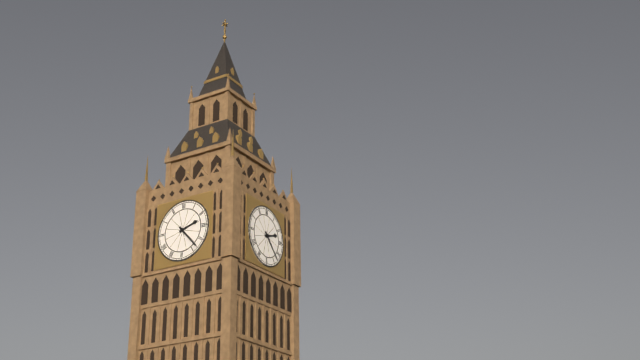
h=2 m=23
